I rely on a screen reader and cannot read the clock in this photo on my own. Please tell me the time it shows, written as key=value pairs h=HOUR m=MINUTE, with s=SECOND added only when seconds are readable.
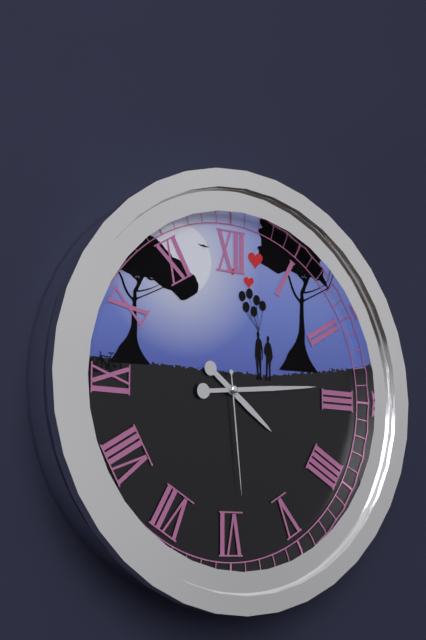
h=4 m=14 s=29
